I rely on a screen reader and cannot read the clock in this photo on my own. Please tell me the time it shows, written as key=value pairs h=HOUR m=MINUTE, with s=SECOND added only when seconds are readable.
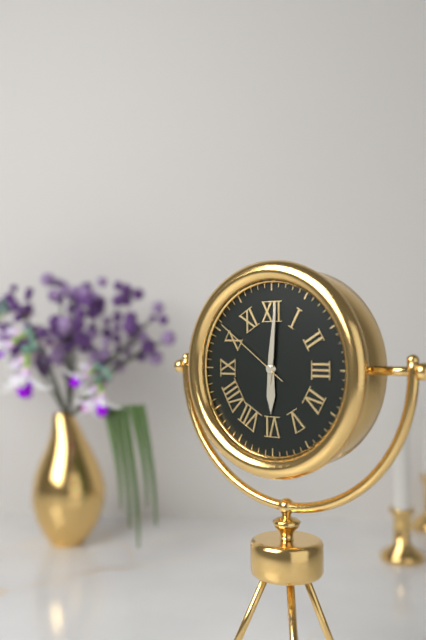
h=6 m=1 s=51
